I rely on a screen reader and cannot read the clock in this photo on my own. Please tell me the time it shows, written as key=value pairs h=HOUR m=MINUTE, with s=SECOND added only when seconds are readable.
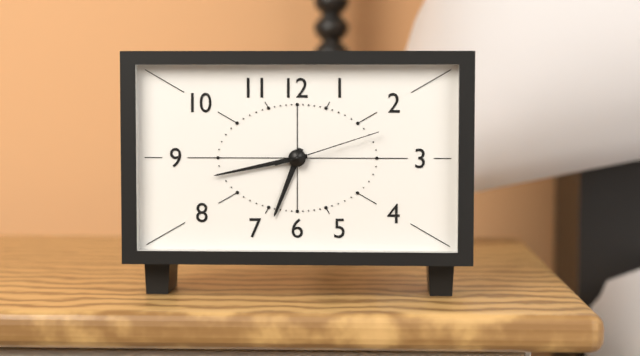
h=6 m=43 s=12
